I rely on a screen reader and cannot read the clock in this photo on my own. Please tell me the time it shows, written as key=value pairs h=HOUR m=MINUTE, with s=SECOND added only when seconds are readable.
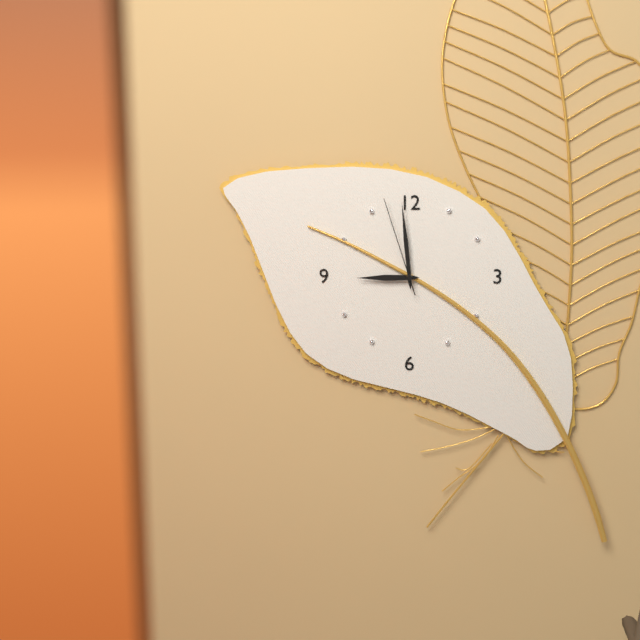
h=8 m=59 s=57
